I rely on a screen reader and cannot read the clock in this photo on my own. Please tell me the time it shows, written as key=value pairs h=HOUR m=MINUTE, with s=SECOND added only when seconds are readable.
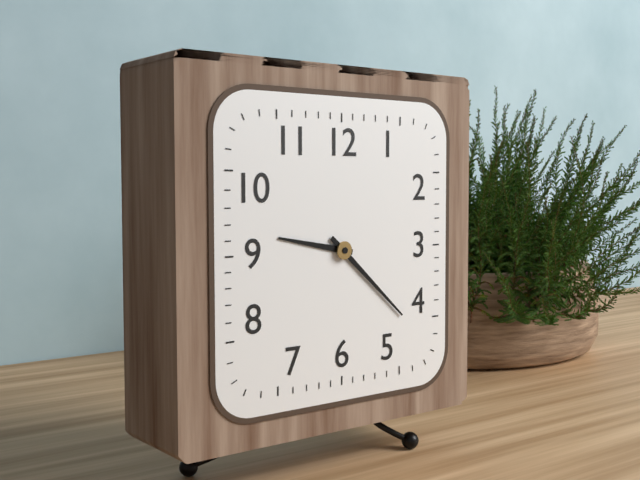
h=9 m=22
